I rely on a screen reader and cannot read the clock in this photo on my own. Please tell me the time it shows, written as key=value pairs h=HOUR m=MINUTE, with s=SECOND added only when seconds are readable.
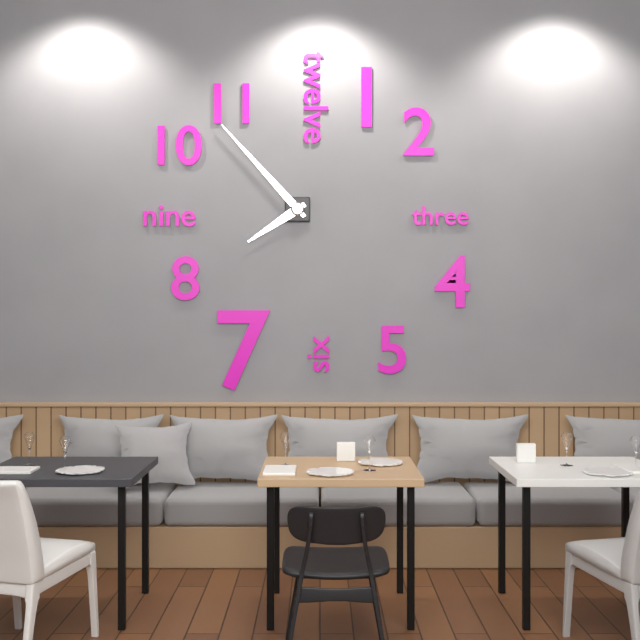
h=7 m=53
